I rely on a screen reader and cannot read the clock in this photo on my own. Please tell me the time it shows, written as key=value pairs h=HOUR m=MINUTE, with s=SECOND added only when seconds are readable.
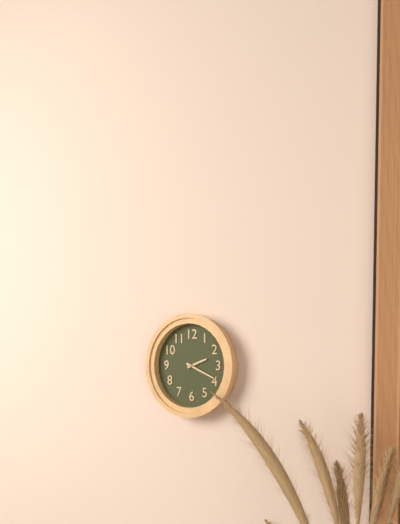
h=2 m=19
